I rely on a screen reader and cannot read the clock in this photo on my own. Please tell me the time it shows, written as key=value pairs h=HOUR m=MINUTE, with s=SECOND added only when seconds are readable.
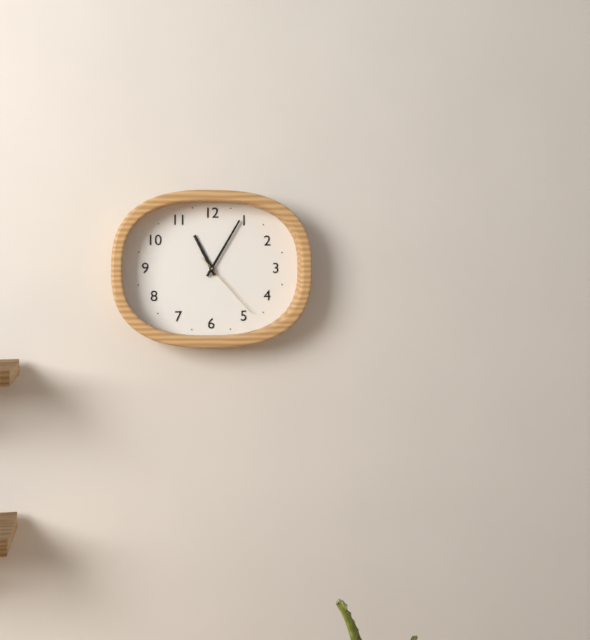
h=11 m=5 s=23
